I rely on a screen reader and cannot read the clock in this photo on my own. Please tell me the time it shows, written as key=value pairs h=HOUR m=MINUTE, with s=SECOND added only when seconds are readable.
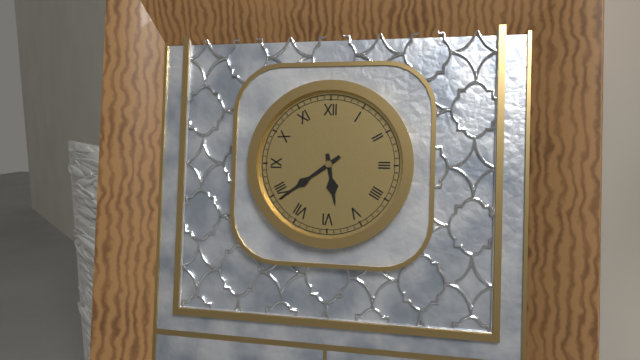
h=5 m=39
